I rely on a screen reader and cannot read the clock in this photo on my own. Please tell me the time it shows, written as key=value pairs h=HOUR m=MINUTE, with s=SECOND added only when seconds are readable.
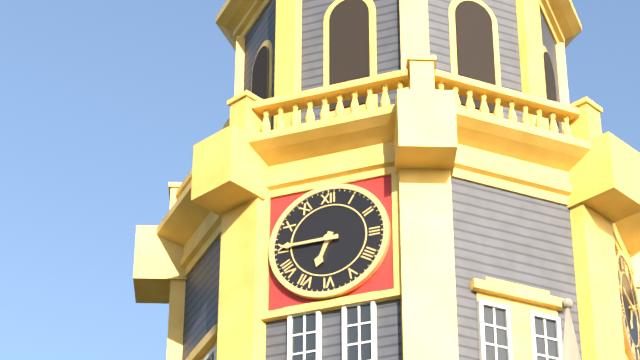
h=6 m=45
